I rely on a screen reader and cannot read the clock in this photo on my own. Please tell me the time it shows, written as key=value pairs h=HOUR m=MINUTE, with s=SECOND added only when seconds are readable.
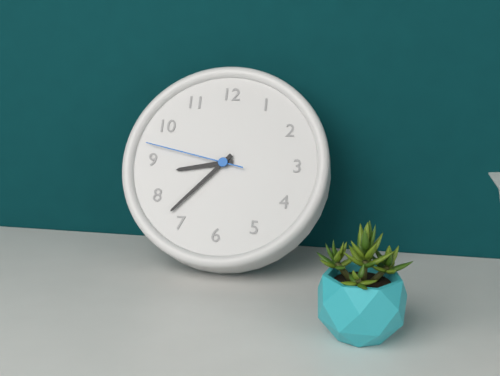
h=8 m=37 s=47
